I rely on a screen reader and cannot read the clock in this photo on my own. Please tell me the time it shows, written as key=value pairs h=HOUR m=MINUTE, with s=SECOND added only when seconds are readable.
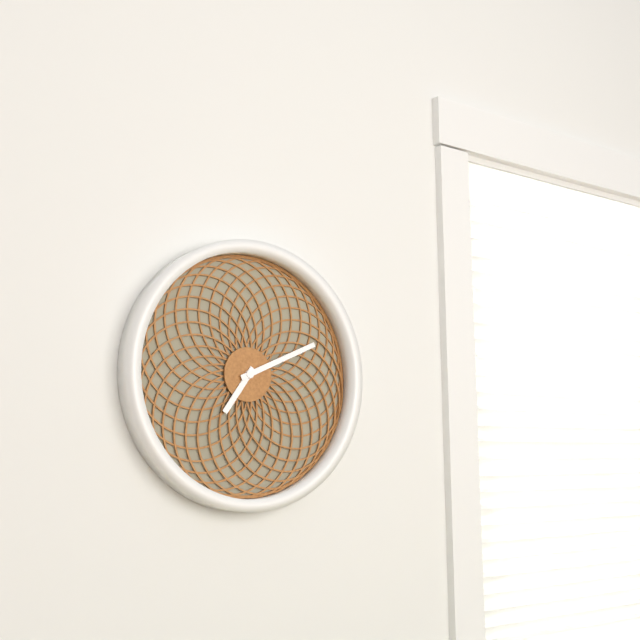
h=7 m=11
